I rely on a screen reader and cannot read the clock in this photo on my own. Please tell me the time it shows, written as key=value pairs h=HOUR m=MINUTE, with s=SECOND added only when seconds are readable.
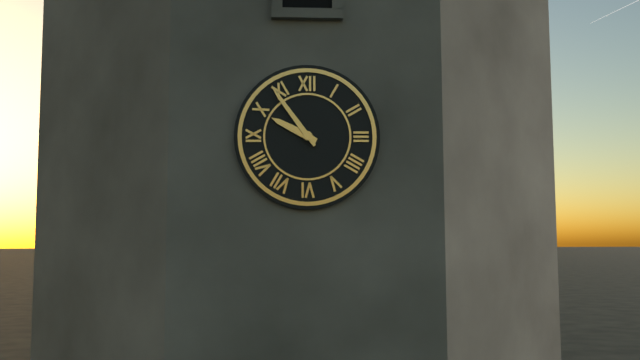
h=9 m=54
